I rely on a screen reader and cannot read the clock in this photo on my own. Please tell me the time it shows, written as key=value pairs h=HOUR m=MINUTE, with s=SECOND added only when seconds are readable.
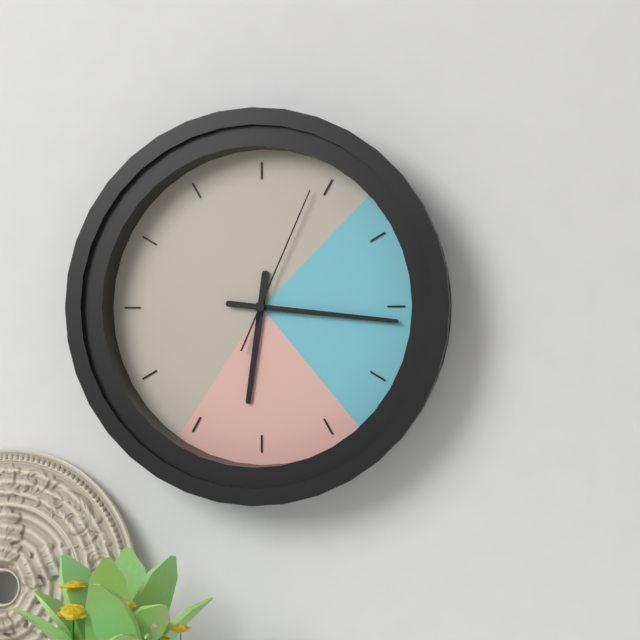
h=6 m=16 s=4
